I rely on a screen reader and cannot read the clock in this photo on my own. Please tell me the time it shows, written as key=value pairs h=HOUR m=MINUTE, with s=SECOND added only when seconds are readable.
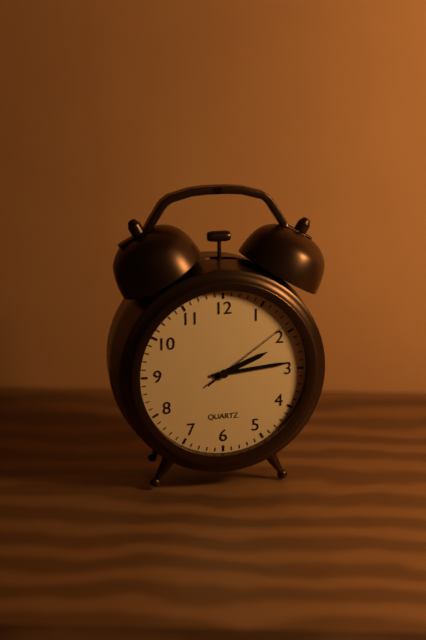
h=2 m=14 s=9
